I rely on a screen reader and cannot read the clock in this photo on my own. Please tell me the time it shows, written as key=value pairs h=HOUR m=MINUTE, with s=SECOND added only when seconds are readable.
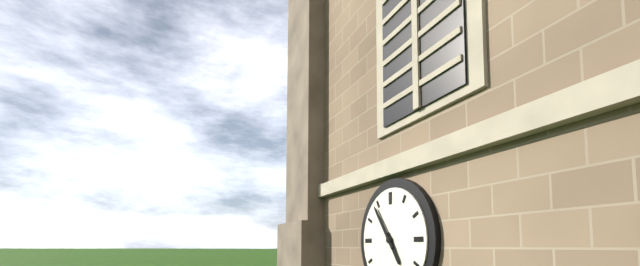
h=4 m=54
